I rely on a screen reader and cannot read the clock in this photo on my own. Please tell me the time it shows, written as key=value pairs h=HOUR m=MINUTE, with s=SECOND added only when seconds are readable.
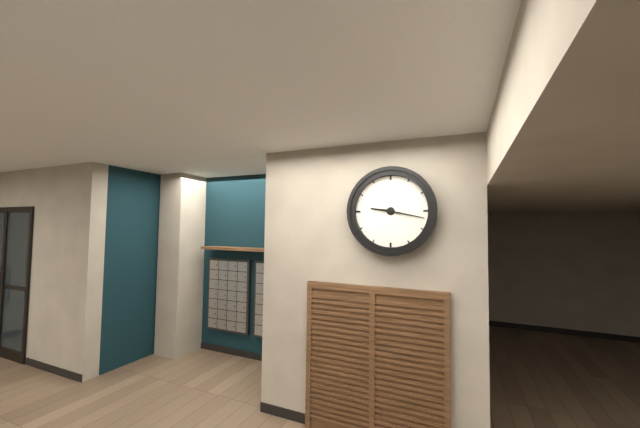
h=9 m=17
